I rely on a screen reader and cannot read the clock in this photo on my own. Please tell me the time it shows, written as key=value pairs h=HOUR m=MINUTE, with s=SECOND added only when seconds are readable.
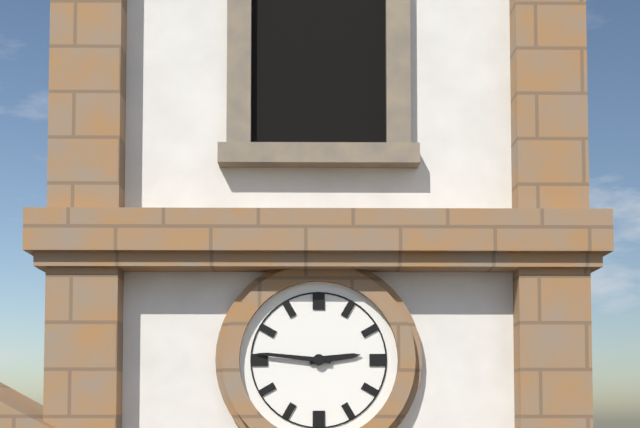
h=2 m=46
